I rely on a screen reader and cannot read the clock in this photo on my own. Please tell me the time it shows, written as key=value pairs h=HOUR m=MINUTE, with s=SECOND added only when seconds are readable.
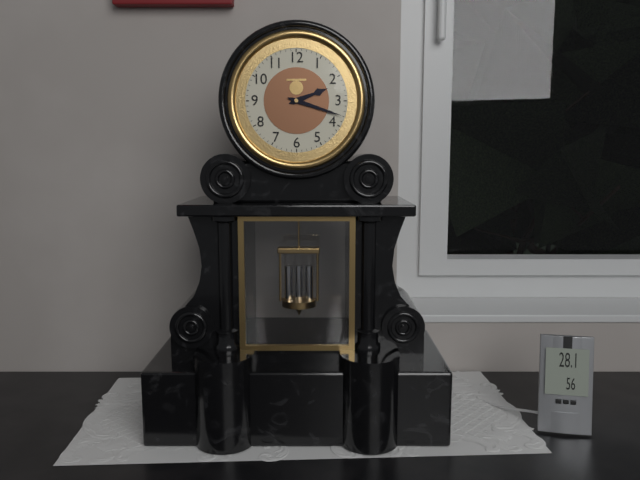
h=2 m=18
